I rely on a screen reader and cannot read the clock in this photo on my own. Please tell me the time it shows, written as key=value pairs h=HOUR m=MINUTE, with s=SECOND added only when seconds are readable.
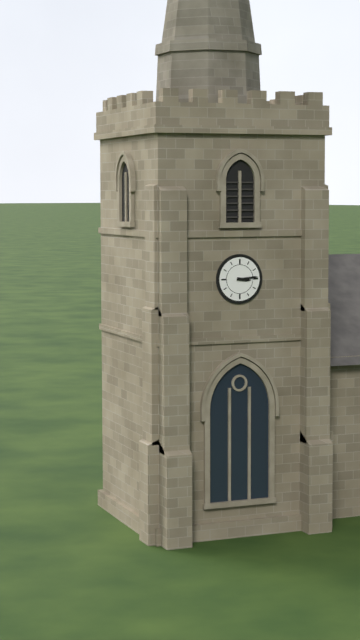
h=3 m=14
